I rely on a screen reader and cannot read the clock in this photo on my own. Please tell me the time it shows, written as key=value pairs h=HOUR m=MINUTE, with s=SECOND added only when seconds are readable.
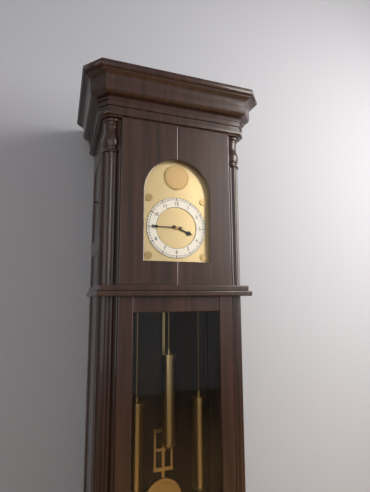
h=3 m=45
